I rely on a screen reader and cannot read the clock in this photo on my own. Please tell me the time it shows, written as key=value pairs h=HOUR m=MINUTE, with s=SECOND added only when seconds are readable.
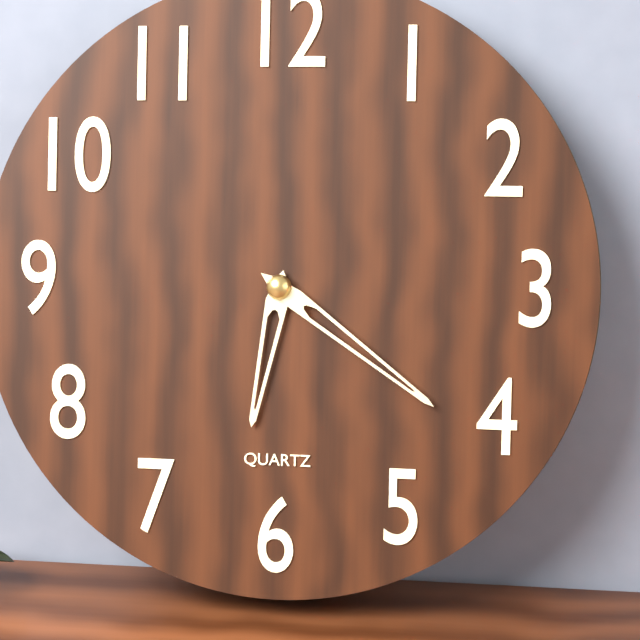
h=6 m=21
